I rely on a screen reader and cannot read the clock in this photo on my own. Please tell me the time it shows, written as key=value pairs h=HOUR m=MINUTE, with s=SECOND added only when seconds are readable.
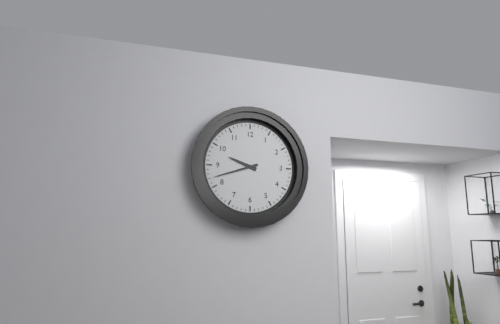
h=9 m=42
